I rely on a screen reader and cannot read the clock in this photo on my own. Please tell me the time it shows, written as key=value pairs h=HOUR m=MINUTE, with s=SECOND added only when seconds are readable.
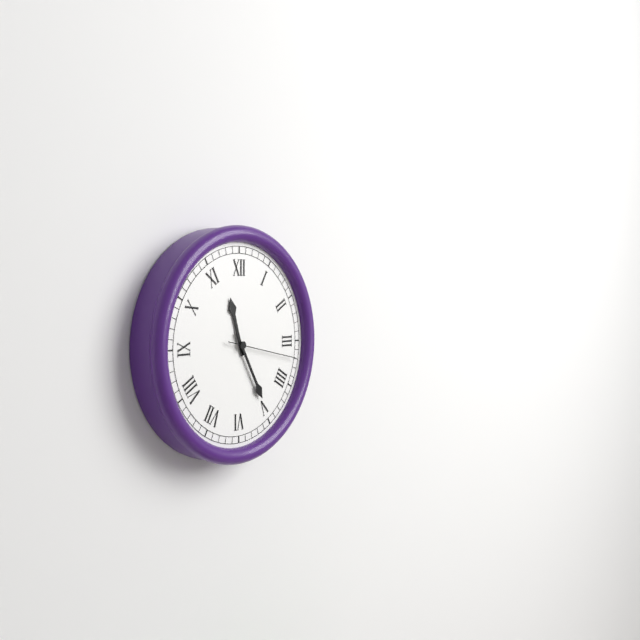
h=11 m=25 s=17
